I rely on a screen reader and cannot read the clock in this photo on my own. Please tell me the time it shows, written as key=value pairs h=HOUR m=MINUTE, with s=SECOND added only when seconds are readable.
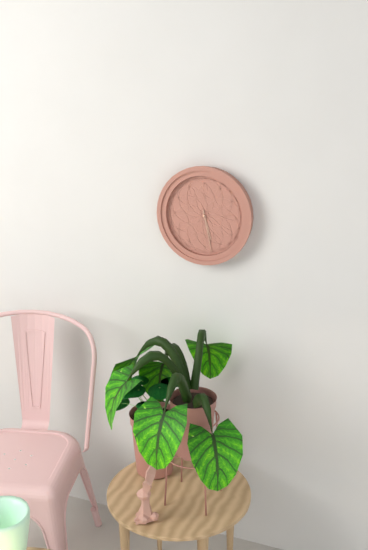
h=5 m=28
